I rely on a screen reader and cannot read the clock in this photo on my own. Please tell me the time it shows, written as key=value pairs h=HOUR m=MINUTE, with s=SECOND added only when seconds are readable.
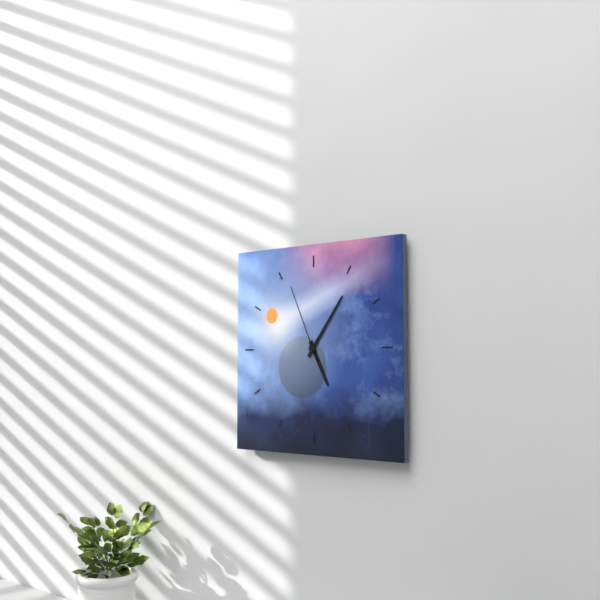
h=5 m=6 s=56
